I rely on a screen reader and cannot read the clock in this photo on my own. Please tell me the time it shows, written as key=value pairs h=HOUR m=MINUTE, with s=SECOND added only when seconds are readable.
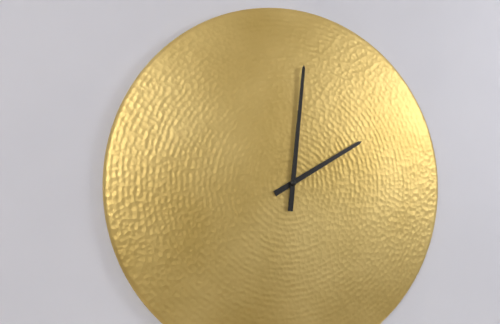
h=2 m=1
